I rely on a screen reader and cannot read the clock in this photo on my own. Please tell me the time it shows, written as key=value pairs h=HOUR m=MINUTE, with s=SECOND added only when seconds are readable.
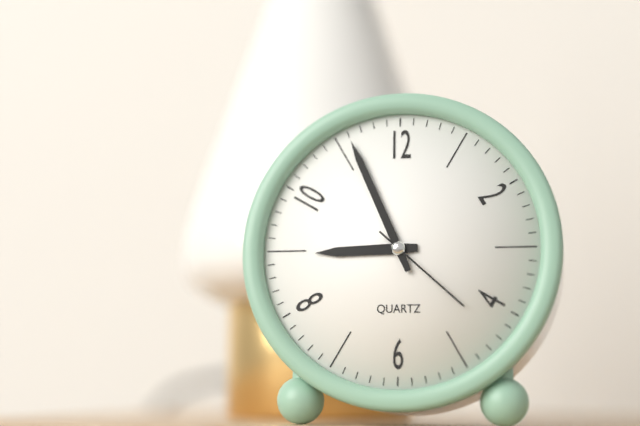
h=8 m=56 s=22
